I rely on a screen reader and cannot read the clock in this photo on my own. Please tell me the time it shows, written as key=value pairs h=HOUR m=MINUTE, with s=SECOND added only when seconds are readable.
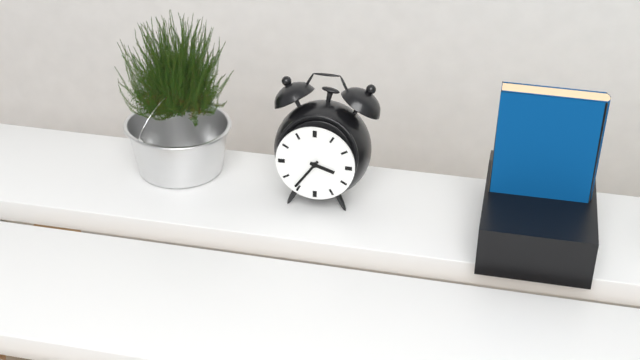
h=3 m=36
